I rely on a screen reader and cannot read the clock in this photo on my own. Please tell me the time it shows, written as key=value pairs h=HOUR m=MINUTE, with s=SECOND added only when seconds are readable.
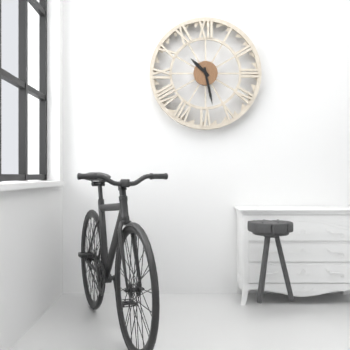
h=10 m=28
